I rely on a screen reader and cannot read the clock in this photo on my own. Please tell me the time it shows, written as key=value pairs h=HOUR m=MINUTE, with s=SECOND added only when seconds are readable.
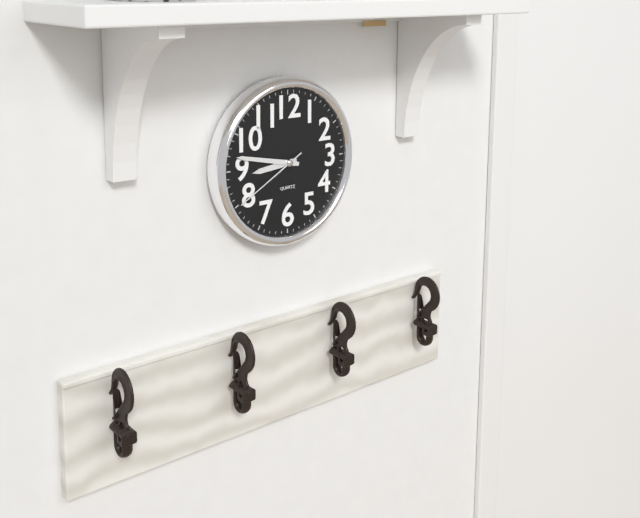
h=8 m=47 s=40
